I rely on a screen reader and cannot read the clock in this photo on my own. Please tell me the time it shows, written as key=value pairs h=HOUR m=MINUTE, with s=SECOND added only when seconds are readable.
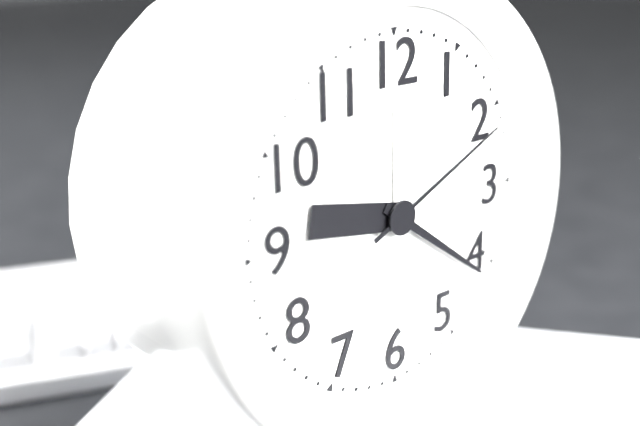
h=9 m=21 s=11
